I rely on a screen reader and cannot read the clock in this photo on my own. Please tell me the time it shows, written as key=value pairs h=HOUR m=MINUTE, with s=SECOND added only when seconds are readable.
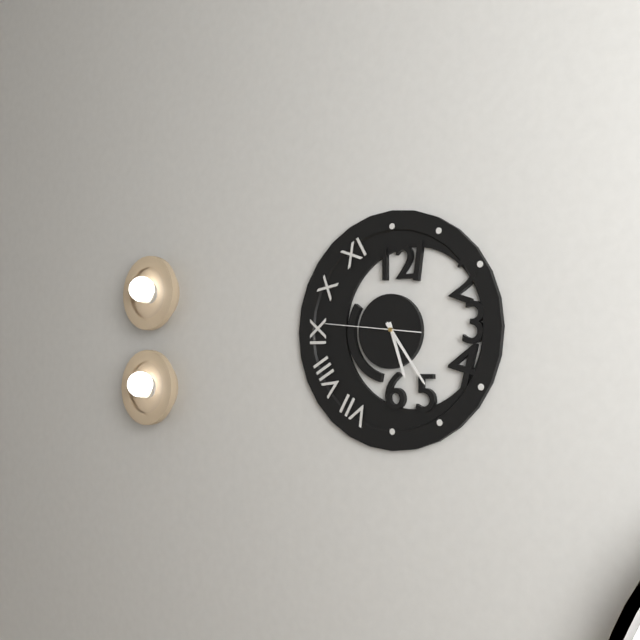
h=5 m=24 s=46
